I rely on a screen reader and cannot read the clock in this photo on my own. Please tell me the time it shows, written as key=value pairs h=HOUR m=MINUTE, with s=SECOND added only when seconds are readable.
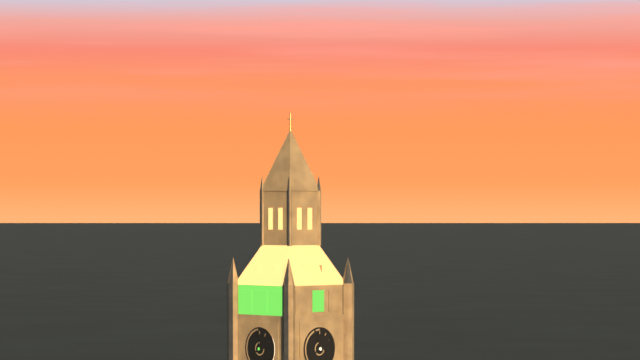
h=7 m=58
